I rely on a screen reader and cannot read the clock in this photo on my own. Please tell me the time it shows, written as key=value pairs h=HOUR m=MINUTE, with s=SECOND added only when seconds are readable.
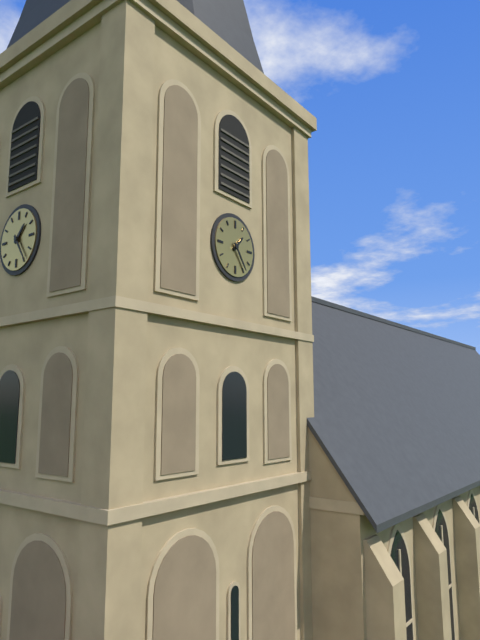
h=1 m=24
